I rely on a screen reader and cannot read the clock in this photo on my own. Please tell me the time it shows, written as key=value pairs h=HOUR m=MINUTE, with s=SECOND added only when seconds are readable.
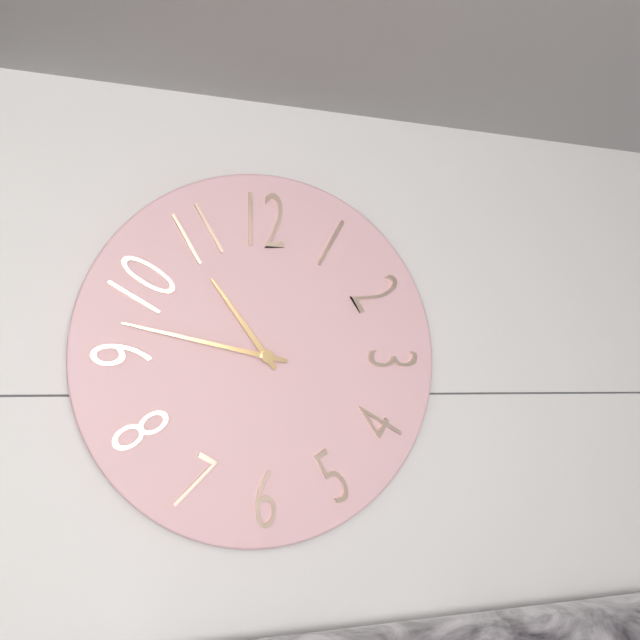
h=10 m=47
